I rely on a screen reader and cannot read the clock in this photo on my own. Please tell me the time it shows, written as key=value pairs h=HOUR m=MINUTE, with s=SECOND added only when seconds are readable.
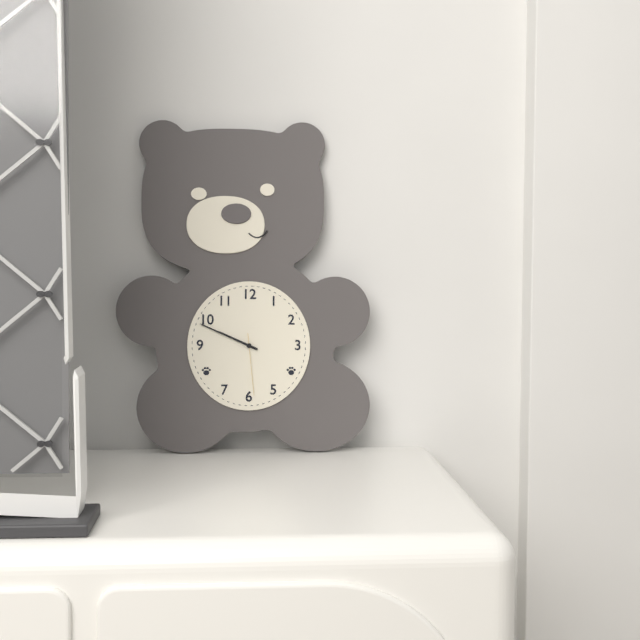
h=9 m=49 s=29
